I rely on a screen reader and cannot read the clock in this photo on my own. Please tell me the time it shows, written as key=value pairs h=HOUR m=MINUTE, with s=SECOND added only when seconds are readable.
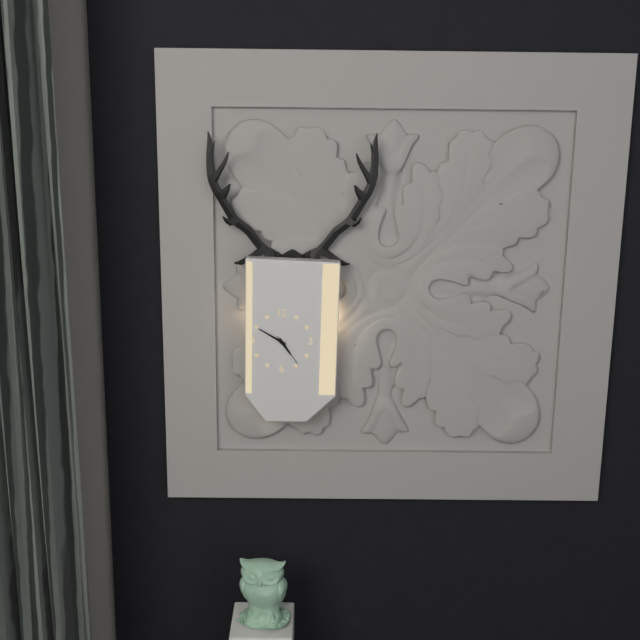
h=4 m=50
